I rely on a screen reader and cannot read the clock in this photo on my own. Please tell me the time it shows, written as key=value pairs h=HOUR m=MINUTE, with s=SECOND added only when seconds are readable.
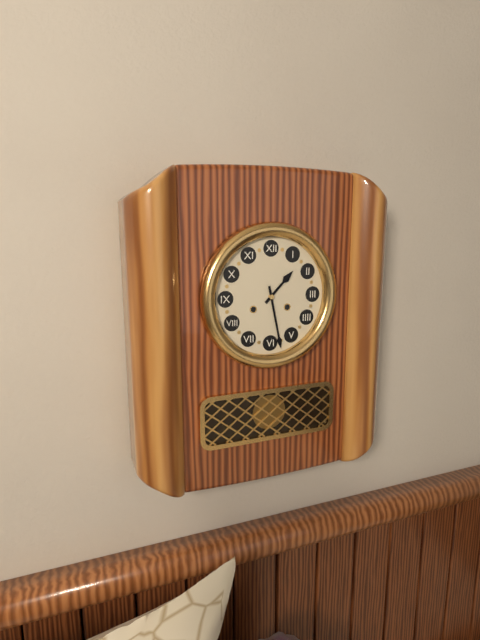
h=1 m=28
